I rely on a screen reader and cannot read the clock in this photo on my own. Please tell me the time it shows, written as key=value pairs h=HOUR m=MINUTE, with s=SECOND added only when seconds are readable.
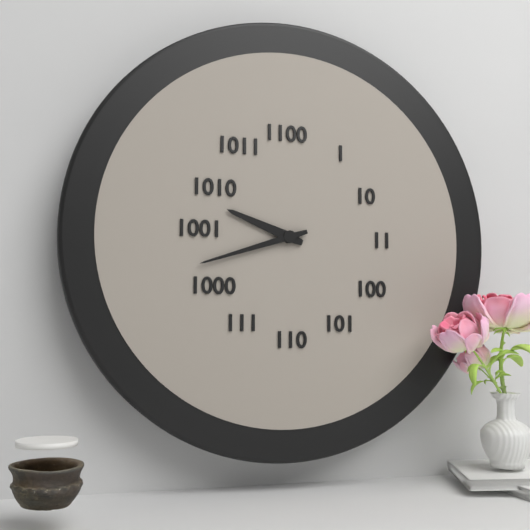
h=9 m=42
